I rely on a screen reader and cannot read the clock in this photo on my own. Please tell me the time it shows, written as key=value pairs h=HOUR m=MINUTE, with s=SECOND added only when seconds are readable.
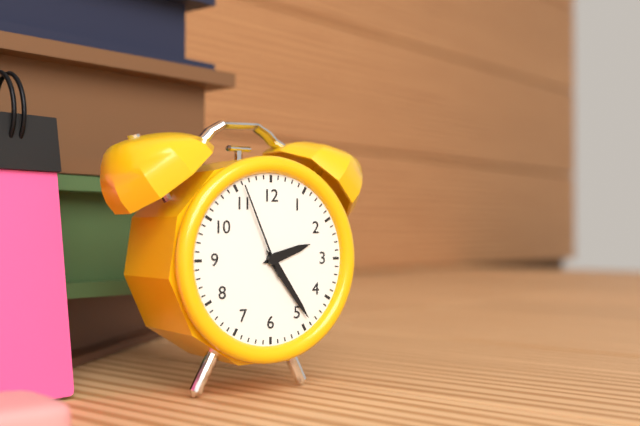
h=2 m=24 s=56
